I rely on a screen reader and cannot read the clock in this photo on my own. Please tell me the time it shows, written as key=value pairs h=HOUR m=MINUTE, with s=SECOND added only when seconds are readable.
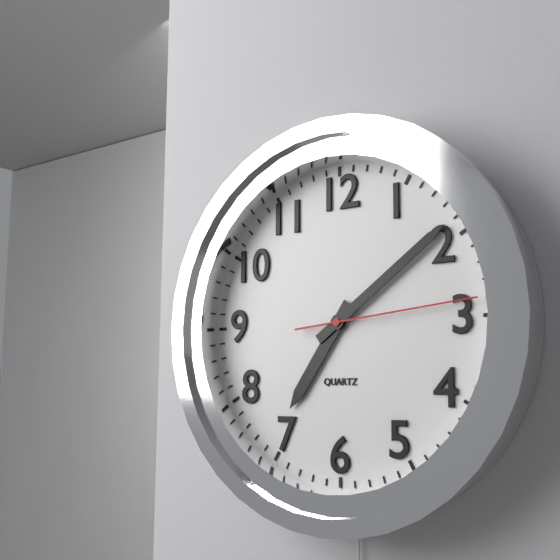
h=7 m=9 s=14
